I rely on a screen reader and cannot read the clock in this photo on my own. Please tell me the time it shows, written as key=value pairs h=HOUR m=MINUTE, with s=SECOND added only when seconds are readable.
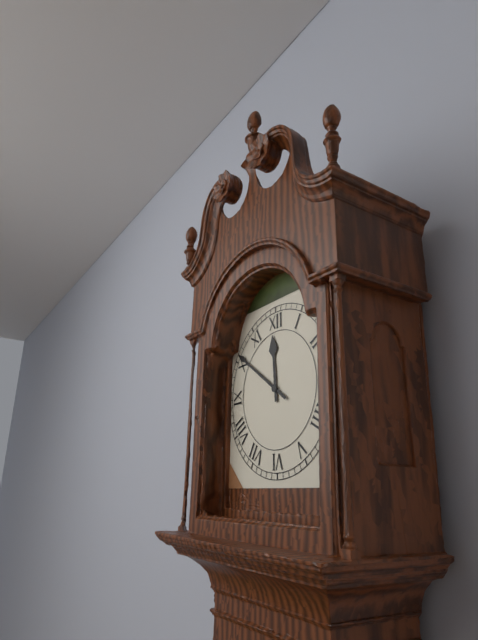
h=11 m=51
